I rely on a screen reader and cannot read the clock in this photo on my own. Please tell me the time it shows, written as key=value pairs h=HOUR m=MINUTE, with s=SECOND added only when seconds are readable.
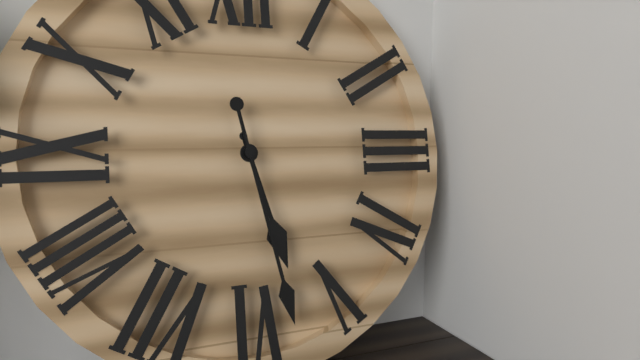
h=5 m=28
